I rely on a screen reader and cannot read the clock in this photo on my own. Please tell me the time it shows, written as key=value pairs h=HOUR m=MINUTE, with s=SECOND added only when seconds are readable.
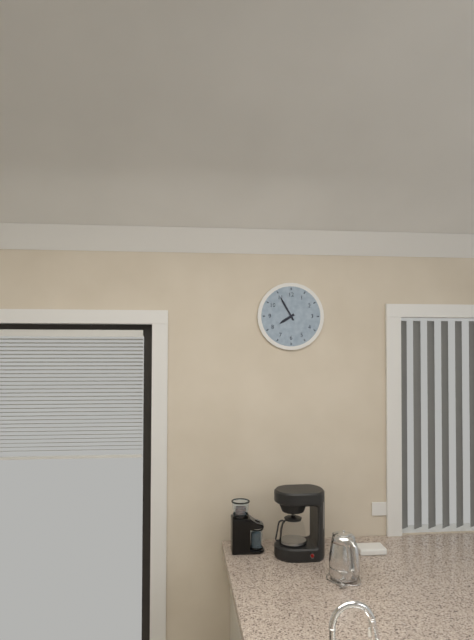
h=7 m=55
